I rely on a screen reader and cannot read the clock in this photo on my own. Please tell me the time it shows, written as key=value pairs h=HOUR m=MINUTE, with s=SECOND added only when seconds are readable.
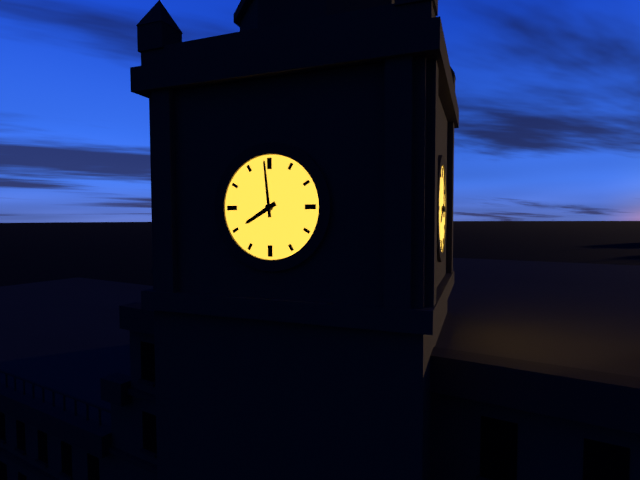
h=7 m=59
